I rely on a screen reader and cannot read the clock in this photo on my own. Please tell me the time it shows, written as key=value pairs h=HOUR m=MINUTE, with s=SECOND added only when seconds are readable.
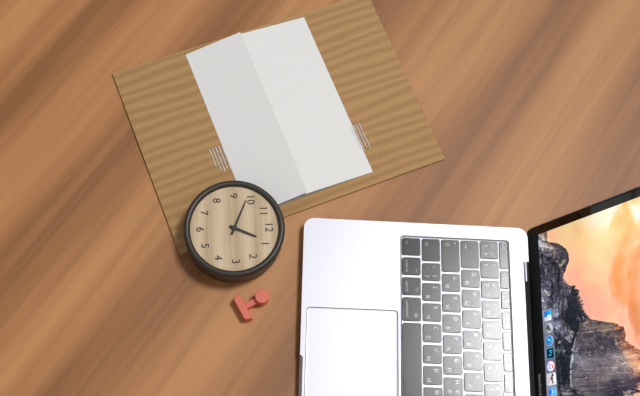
h=12 m=49
